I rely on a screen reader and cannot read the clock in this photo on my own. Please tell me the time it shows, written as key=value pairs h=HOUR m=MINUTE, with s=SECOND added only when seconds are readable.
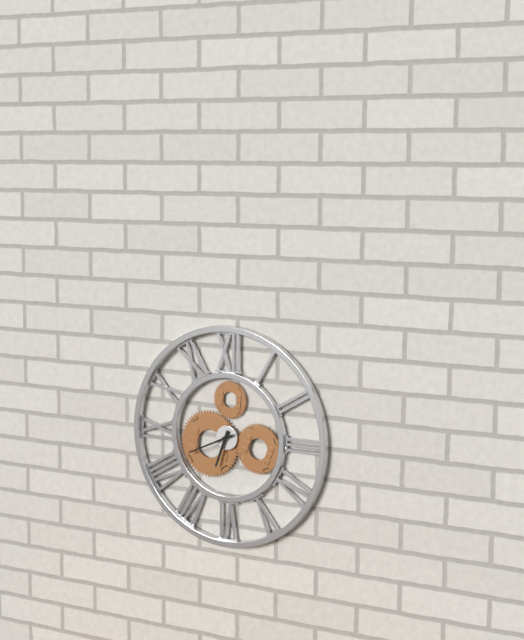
h=6 m=41
